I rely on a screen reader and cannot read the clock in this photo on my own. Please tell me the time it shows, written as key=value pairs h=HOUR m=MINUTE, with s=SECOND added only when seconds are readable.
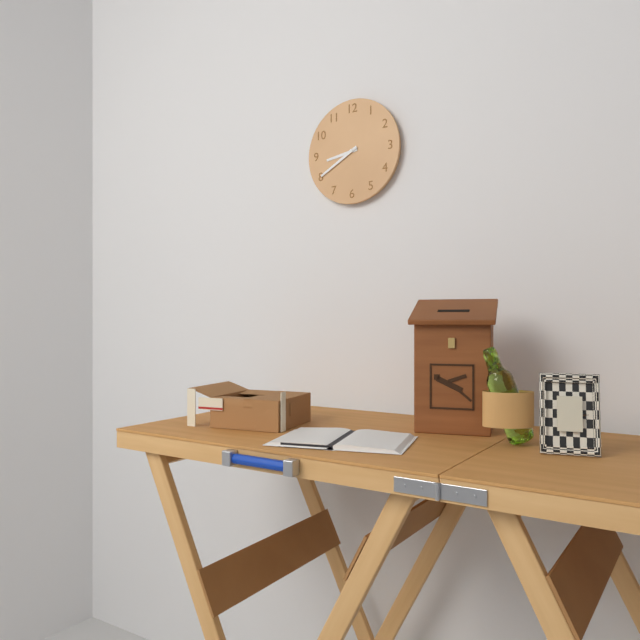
h=8 m=40
